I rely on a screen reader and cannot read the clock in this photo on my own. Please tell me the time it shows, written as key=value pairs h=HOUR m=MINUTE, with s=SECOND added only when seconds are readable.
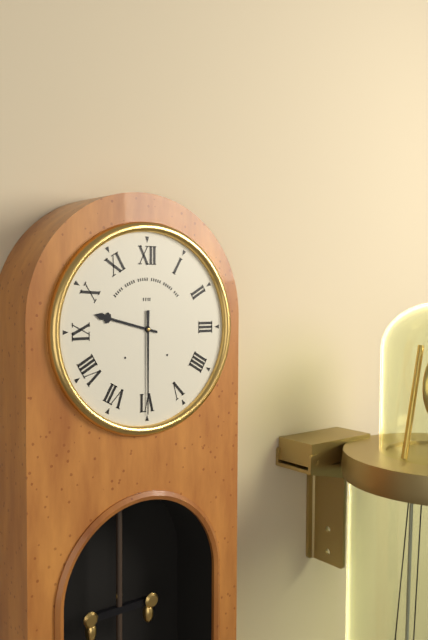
h=9 m=30
